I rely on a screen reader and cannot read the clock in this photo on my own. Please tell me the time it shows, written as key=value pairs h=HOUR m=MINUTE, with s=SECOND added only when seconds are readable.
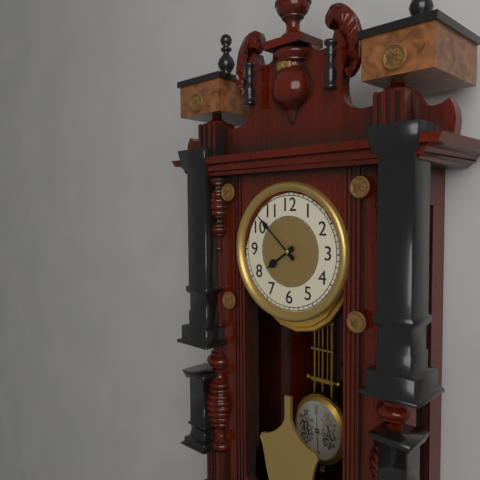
h=7 m=52
